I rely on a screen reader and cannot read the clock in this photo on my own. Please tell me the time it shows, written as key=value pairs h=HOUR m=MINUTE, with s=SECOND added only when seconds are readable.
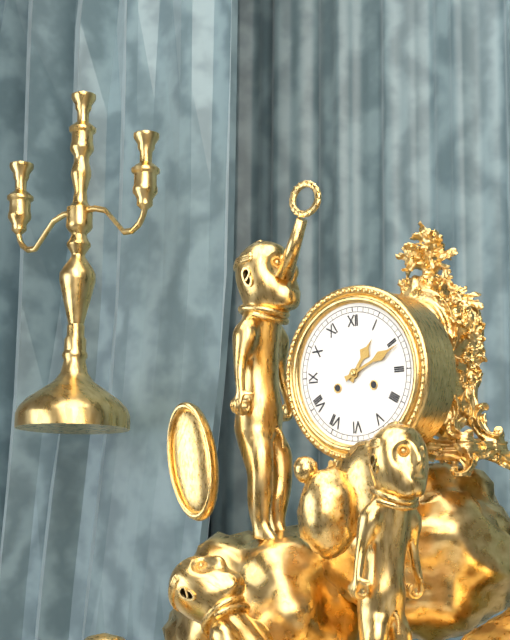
h=1 m=11
